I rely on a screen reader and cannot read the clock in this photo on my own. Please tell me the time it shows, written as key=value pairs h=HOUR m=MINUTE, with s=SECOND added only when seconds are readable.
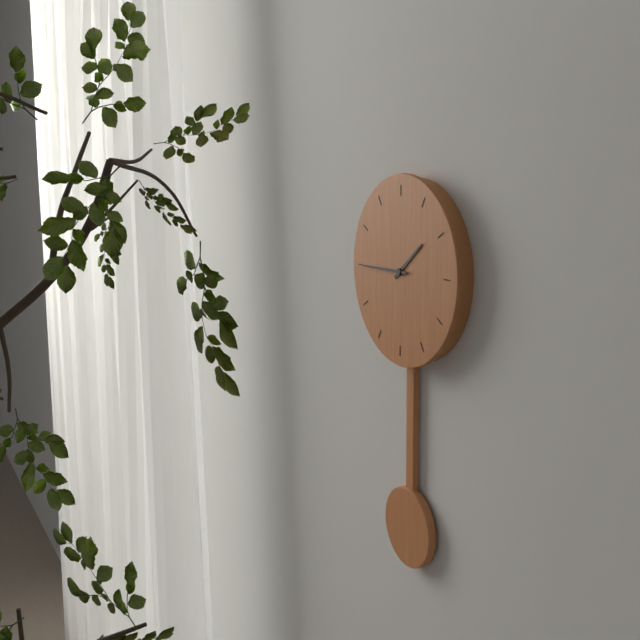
h=1 m=45
